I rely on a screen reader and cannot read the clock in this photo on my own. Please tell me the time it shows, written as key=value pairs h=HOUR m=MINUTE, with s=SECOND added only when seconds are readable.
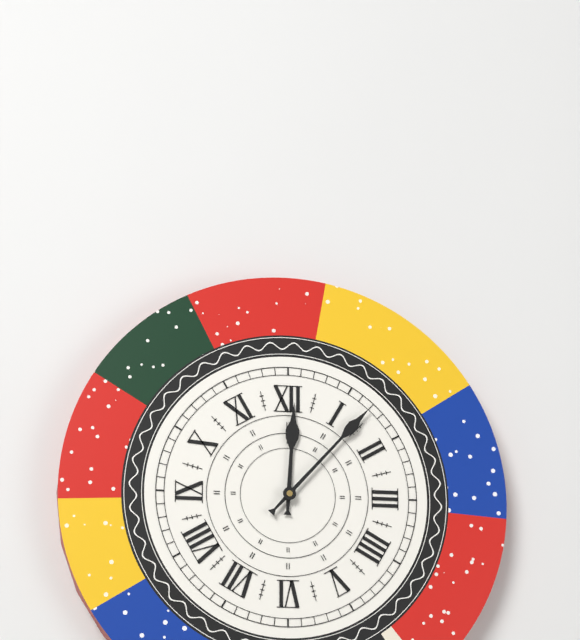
h=12 m=7
